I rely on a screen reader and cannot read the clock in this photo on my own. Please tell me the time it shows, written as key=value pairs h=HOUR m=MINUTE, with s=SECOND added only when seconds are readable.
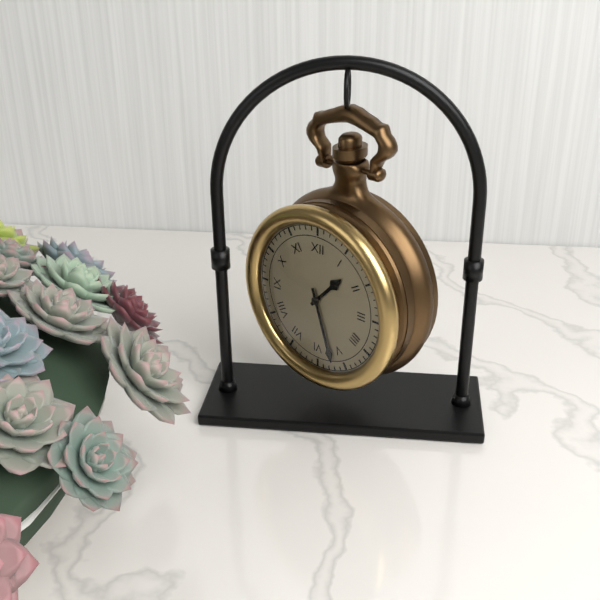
h=1 m=27
